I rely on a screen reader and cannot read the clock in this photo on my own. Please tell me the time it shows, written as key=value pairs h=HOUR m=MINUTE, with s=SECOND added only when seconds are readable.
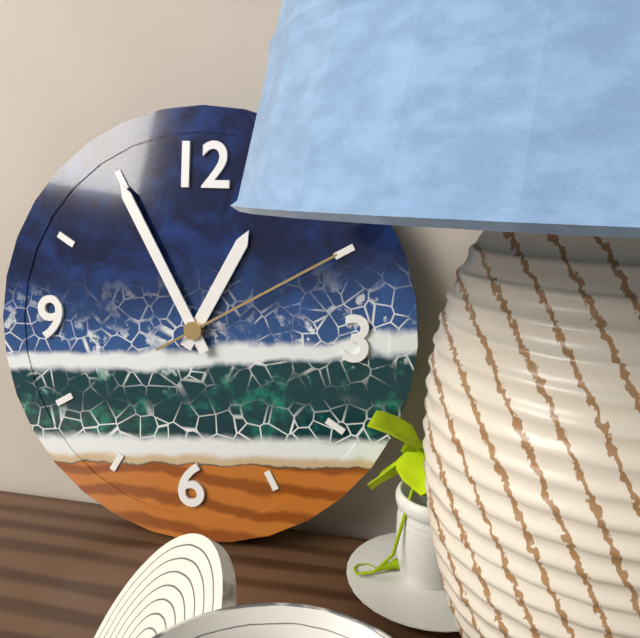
h=12 m=55 s=10
